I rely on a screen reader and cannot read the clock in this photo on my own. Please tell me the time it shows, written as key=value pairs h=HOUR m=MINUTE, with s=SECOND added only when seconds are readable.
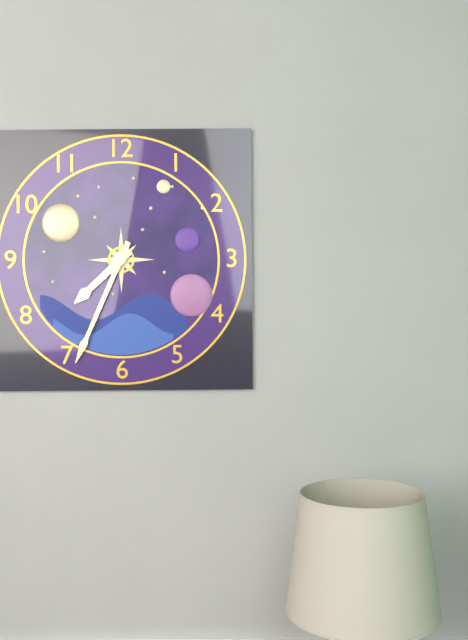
h=7 m=34
